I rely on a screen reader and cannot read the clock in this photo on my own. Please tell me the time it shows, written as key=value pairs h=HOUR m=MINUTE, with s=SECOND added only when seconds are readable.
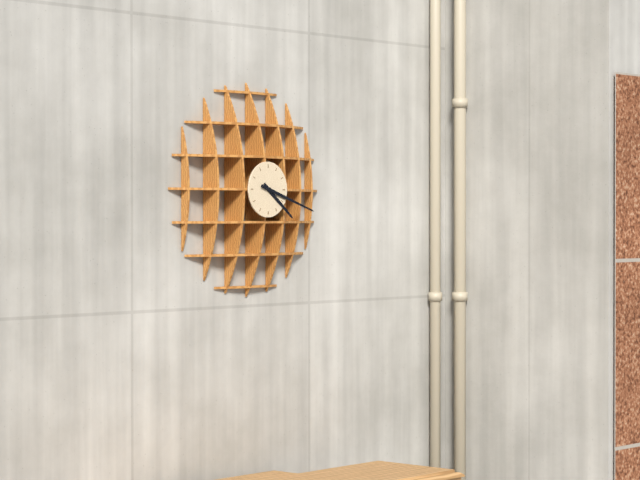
h=4 m=18
